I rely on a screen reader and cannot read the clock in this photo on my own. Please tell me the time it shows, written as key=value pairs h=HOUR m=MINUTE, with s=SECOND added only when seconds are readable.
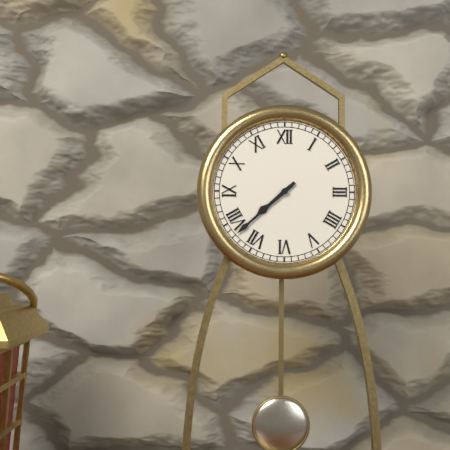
h=7 m=38
